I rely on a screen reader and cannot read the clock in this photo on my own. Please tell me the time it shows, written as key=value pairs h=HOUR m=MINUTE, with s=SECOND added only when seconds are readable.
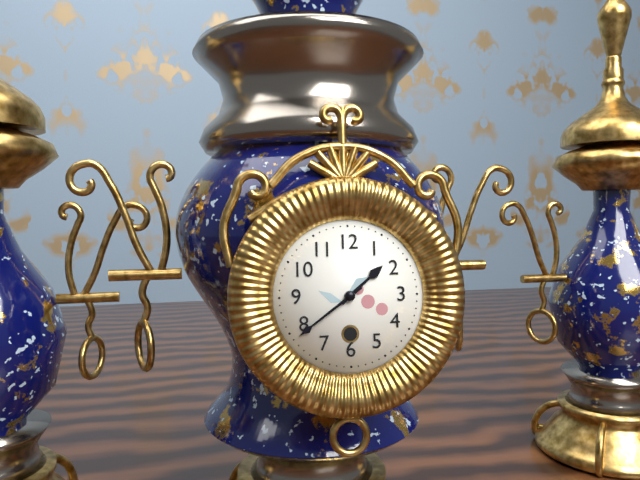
h=1 m=39
